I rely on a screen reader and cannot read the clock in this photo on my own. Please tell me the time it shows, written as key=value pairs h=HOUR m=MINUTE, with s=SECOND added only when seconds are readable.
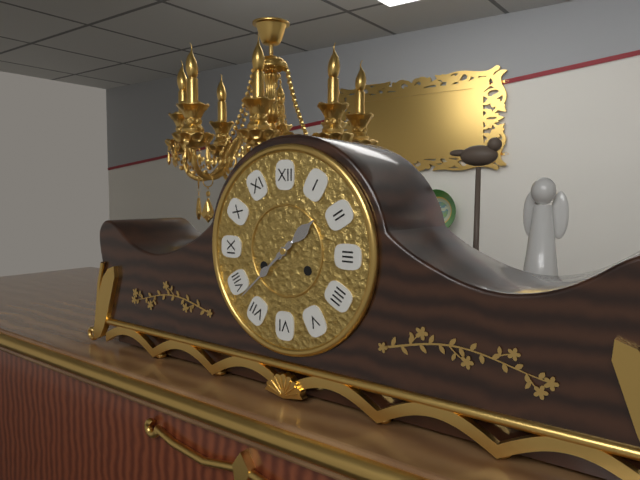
h=1 m=38
